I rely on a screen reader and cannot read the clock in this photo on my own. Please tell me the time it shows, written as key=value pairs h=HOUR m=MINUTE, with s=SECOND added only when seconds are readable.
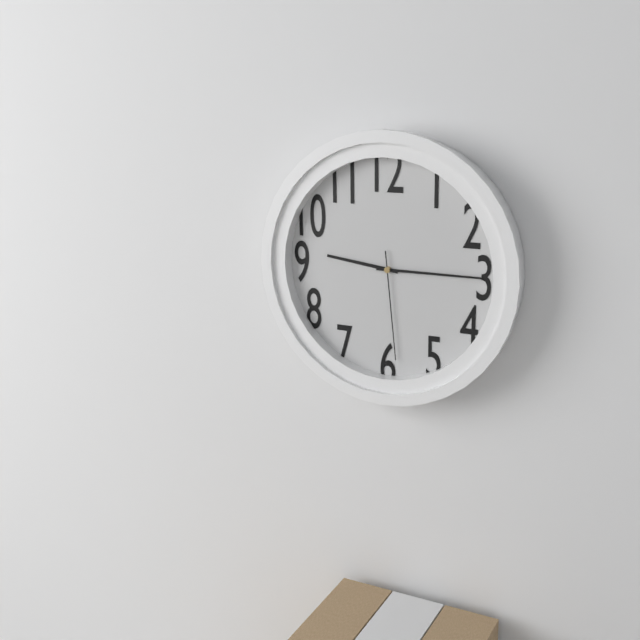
h=9 m=15 s=29
